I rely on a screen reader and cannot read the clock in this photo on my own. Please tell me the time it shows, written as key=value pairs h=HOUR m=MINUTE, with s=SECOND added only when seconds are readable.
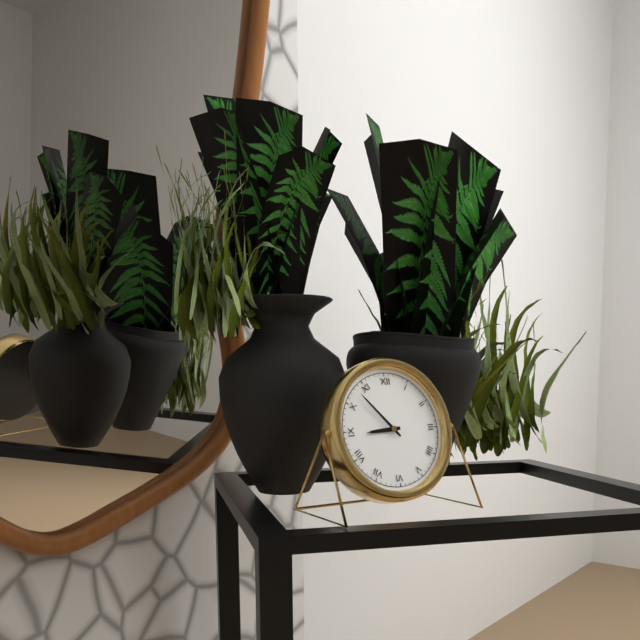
h=8 m=53
